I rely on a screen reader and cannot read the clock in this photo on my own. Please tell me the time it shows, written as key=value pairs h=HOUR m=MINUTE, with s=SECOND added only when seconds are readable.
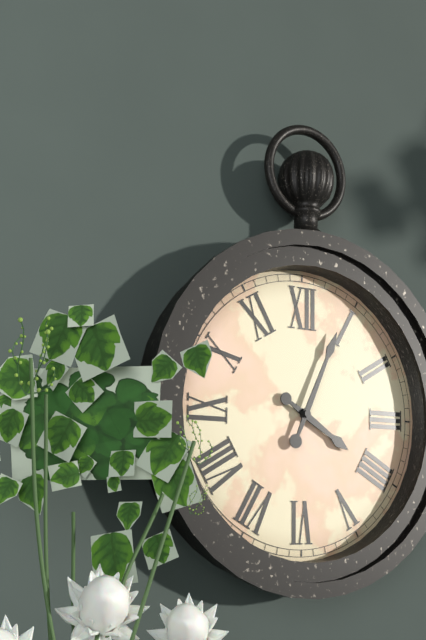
h=4 m=4
